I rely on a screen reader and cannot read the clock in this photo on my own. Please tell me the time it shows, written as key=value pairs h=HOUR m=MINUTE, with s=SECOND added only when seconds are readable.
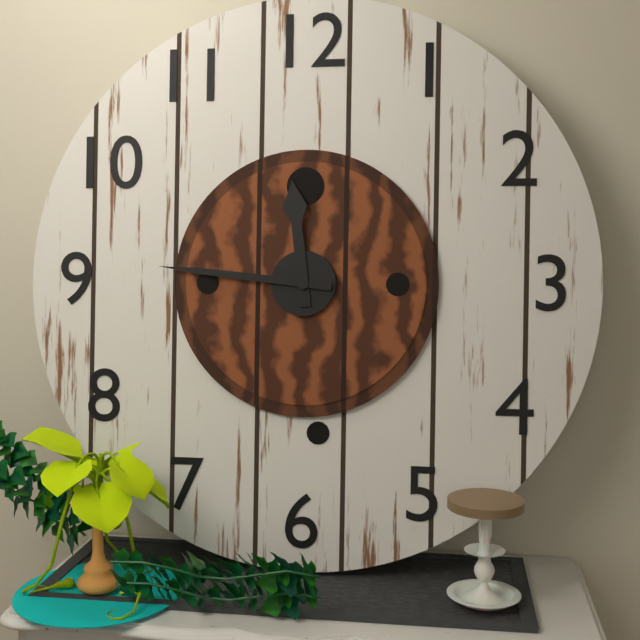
h=11 m=46
